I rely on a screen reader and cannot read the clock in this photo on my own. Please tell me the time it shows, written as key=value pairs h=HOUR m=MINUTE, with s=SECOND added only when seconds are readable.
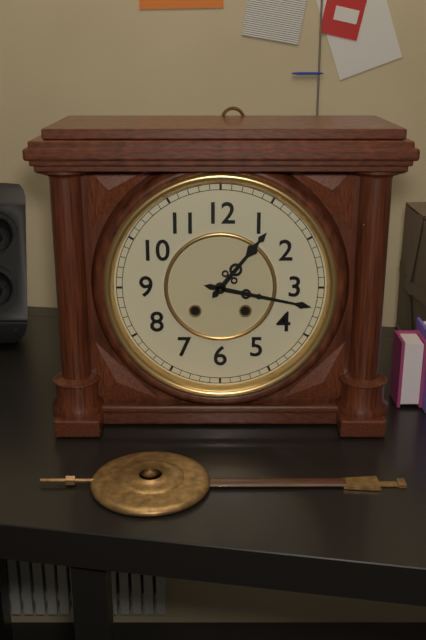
h=1 m=17
